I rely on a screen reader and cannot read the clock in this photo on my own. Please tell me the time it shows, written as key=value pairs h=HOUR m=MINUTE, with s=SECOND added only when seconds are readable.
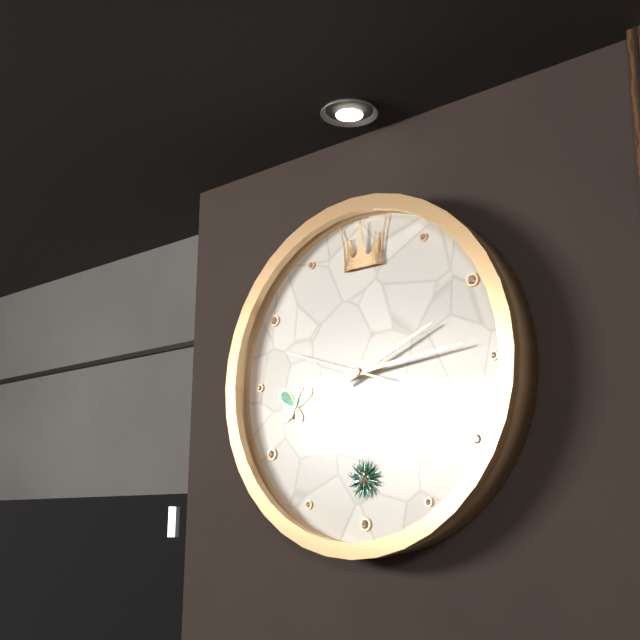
h=2 m=14 s=48
